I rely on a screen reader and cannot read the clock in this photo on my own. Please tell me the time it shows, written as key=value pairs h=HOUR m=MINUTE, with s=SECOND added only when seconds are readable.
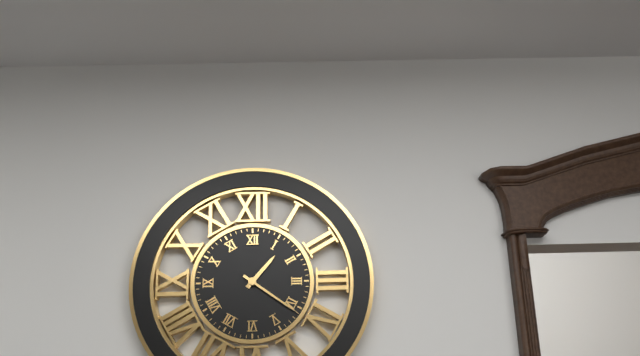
h=1 m=21
